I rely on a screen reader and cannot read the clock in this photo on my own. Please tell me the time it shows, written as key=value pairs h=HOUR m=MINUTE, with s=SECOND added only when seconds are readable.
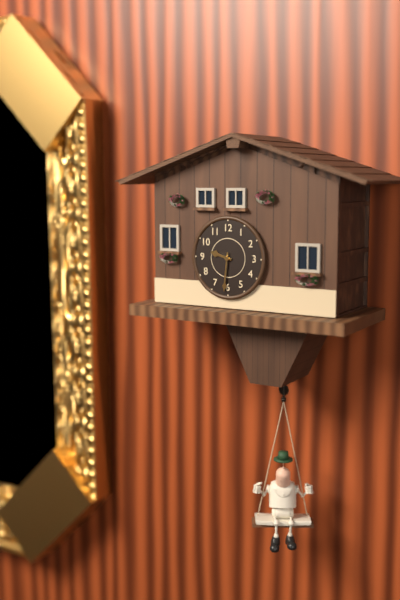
h=9 m=31
